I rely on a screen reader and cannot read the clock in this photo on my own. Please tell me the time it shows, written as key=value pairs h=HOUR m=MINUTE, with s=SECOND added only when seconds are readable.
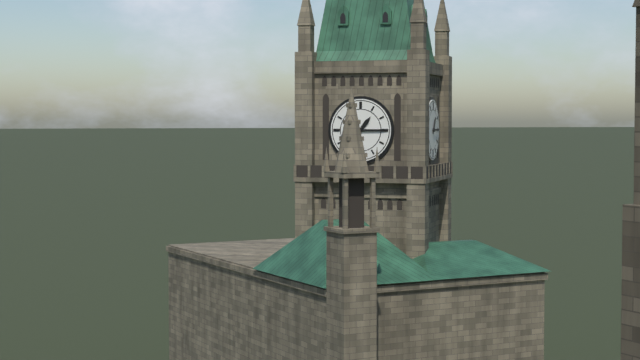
h=1 m=15
